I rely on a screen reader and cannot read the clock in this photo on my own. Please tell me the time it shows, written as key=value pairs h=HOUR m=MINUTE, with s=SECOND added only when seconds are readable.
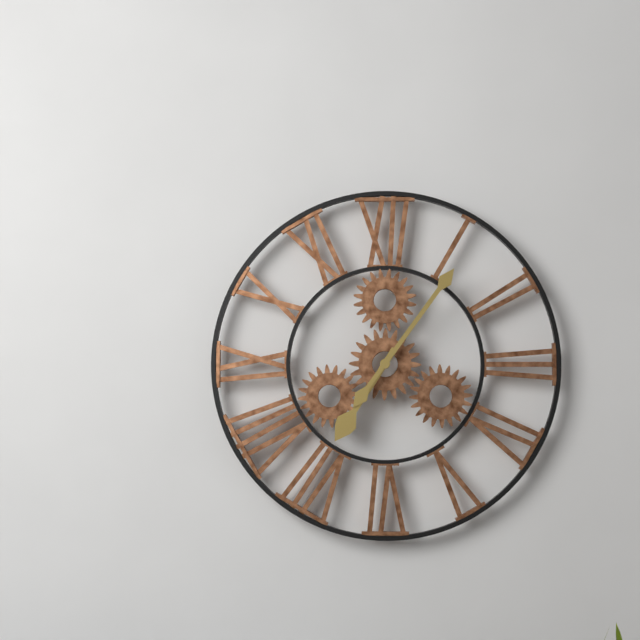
h=7 m=6
